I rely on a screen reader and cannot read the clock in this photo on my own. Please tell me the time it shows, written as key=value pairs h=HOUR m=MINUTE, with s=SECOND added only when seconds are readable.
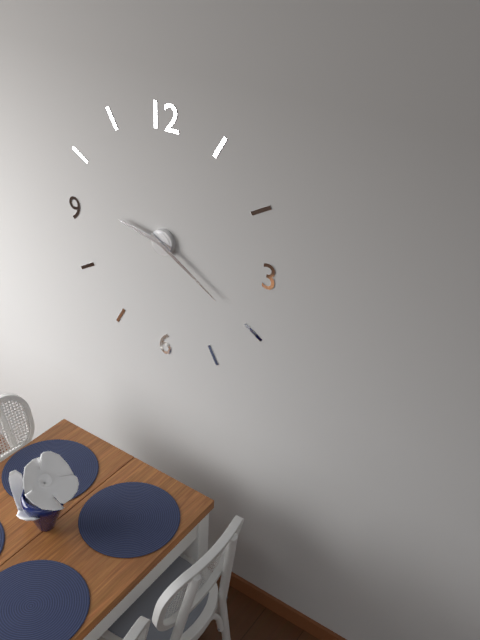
h=9 m=20
